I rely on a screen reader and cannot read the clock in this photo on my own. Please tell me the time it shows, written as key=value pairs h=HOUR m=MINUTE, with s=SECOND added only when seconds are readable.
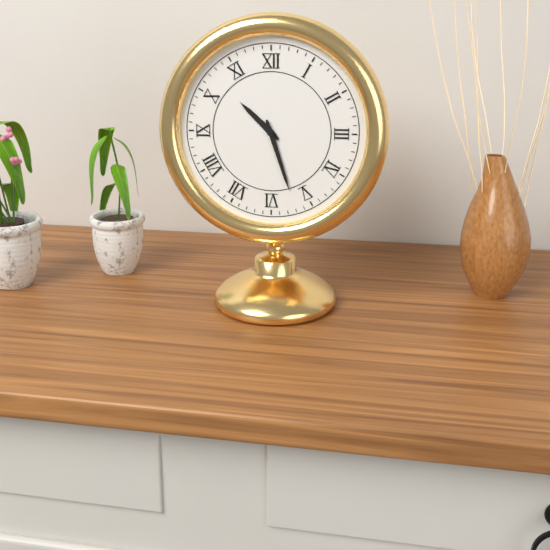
h=10 m=27
